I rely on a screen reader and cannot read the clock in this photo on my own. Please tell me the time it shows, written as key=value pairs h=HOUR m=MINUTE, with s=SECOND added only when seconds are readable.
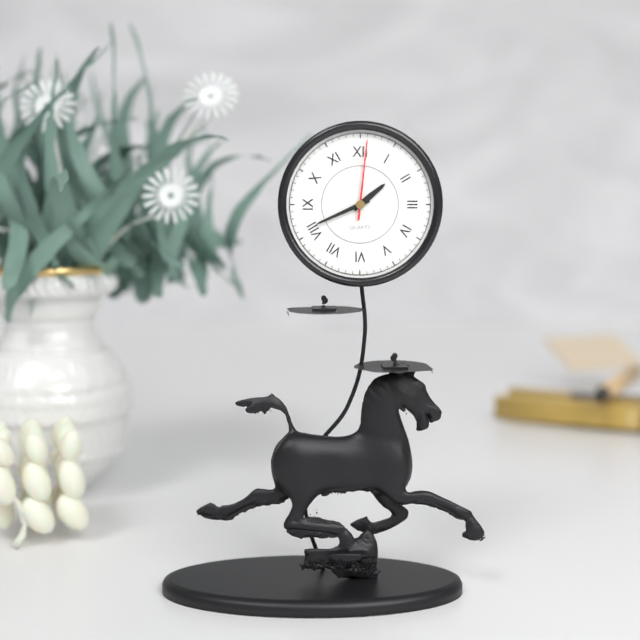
h=1 m=41 s=1
